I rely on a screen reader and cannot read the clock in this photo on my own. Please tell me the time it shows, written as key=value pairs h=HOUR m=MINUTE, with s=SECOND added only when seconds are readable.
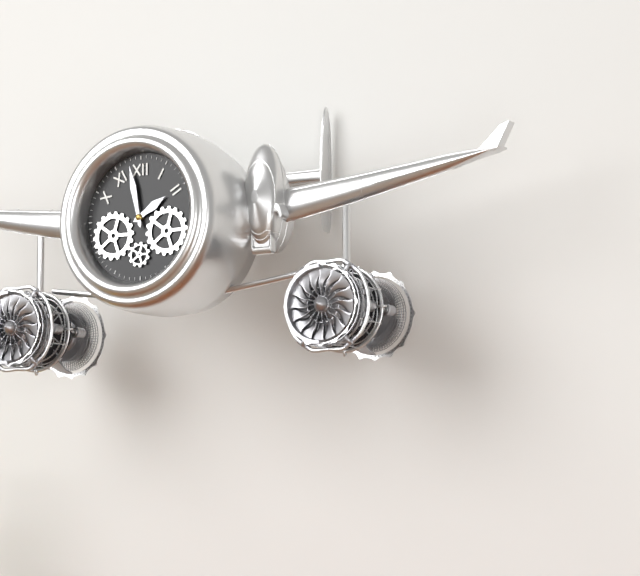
h=1 m=58
